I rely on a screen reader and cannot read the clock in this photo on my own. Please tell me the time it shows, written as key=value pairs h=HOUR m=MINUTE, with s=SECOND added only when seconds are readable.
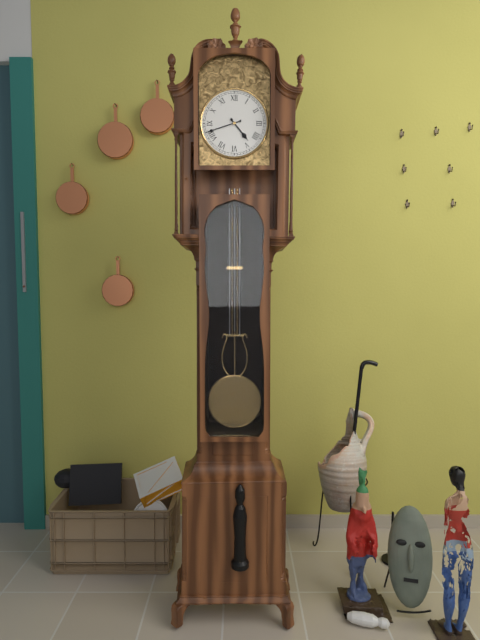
h=4 m=42
